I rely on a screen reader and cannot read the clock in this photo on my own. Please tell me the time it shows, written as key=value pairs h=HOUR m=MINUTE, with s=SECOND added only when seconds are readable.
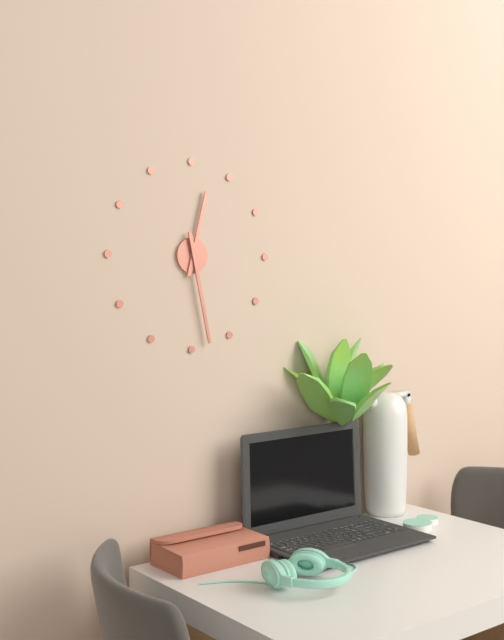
h=12 m=28
